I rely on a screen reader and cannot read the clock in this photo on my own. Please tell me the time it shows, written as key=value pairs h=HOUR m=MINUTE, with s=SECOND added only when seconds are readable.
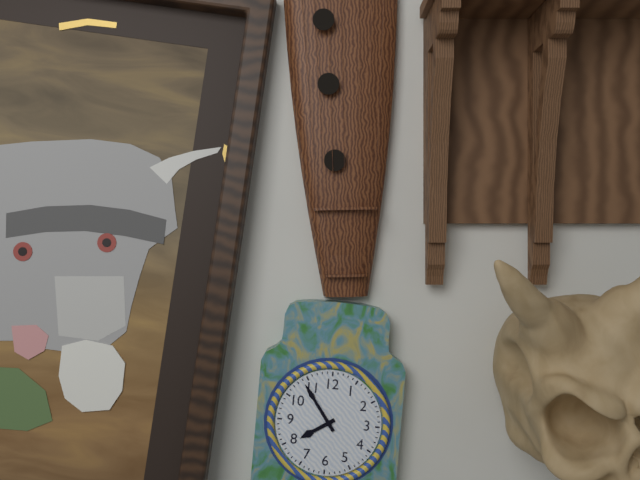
h=7 m=54
